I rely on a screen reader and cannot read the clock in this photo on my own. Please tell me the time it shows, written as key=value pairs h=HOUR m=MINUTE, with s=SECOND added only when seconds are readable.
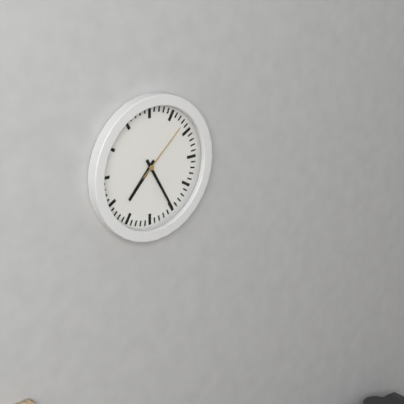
h=7 m=25 s=8
